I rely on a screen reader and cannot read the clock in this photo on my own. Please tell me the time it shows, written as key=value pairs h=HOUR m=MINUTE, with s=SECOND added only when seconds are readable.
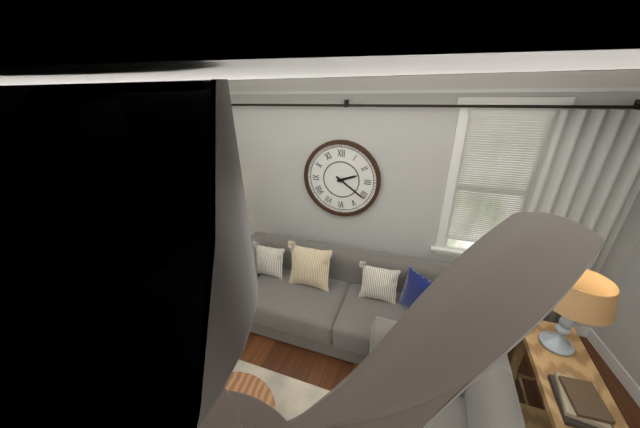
h=2 m=21
